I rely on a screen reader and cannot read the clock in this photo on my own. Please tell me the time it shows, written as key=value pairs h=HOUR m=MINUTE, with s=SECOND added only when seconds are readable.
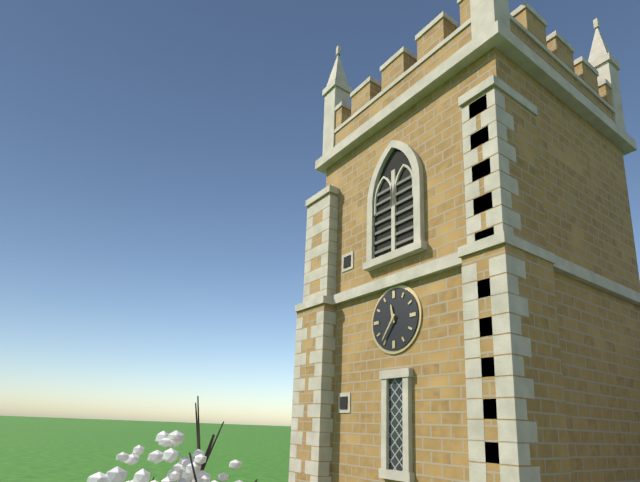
h=11 m=36
